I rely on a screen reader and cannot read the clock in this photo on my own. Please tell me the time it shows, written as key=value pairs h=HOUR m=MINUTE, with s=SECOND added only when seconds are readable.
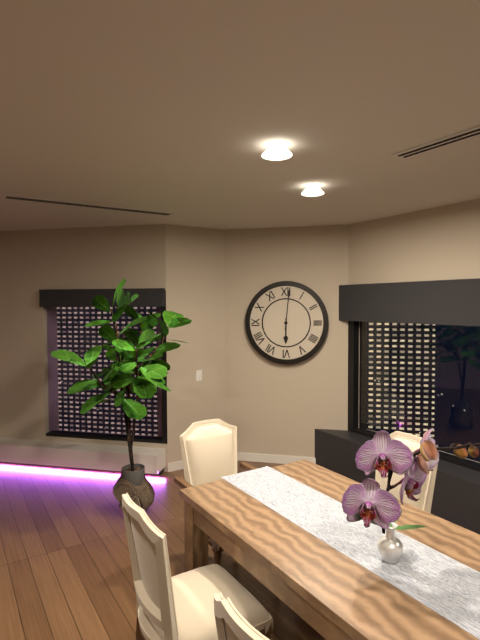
h=6 m=1
